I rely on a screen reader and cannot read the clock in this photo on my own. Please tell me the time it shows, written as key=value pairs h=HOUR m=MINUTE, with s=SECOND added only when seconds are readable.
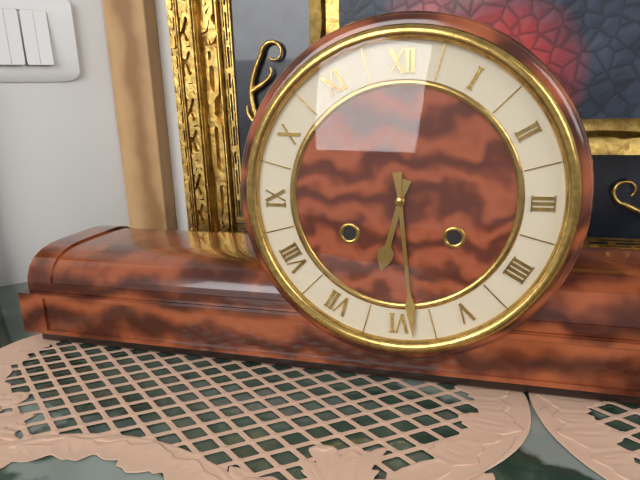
h=6 m=29
